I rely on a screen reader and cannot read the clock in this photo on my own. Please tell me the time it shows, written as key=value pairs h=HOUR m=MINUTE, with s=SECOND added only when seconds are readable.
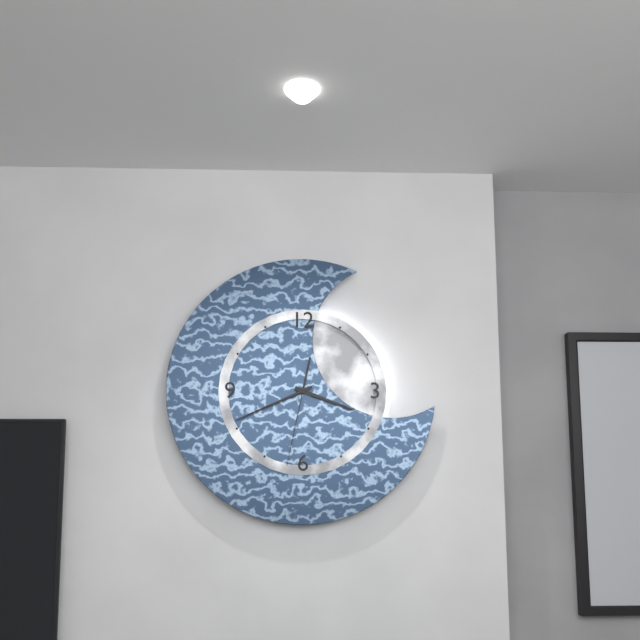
h=3 m=41 s=32
